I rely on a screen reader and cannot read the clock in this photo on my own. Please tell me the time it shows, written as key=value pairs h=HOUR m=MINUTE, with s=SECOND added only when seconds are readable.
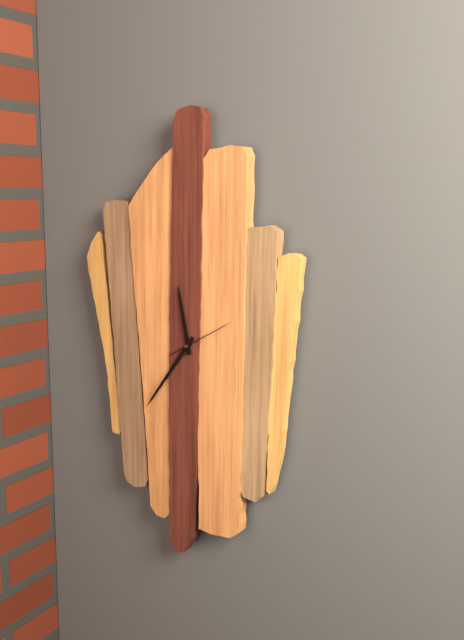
h=11 m=36 s=10
